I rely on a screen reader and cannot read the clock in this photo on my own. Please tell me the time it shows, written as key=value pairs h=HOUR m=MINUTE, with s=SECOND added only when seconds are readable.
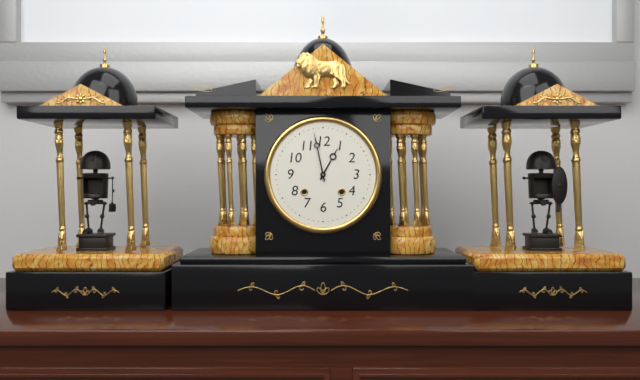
h=12 m=58
